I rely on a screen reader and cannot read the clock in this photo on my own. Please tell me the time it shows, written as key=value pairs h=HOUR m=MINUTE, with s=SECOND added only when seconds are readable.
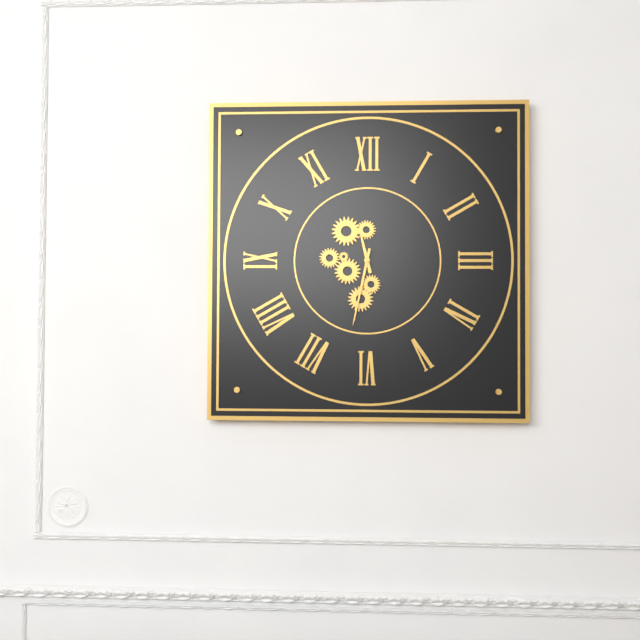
h=11 m=32
